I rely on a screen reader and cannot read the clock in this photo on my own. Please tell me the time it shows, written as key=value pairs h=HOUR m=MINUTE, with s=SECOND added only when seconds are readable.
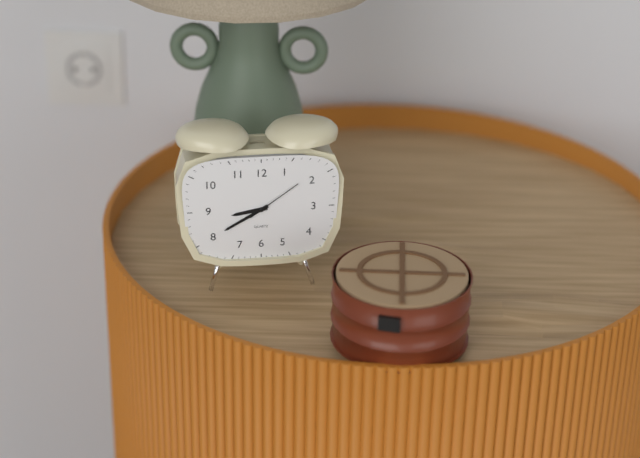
h=8 m=40 s=9
